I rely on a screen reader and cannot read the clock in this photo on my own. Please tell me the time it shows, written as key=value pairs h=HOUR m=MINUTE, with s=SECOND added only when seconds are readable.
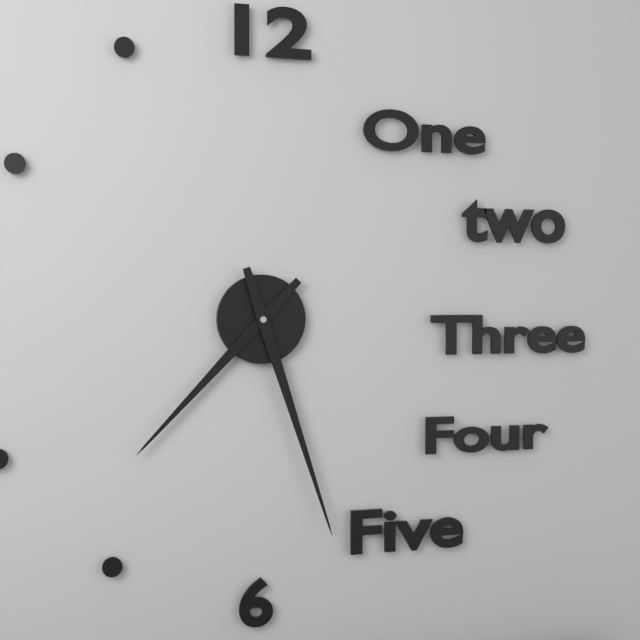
h=7 m=27
